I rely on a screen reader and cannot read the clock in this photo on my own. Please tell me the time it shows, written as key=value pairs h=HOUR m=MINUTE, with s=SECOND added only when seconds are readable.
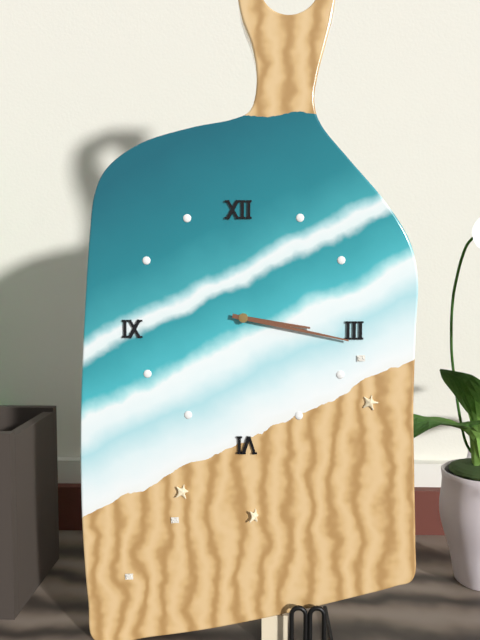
h=3 m=17
